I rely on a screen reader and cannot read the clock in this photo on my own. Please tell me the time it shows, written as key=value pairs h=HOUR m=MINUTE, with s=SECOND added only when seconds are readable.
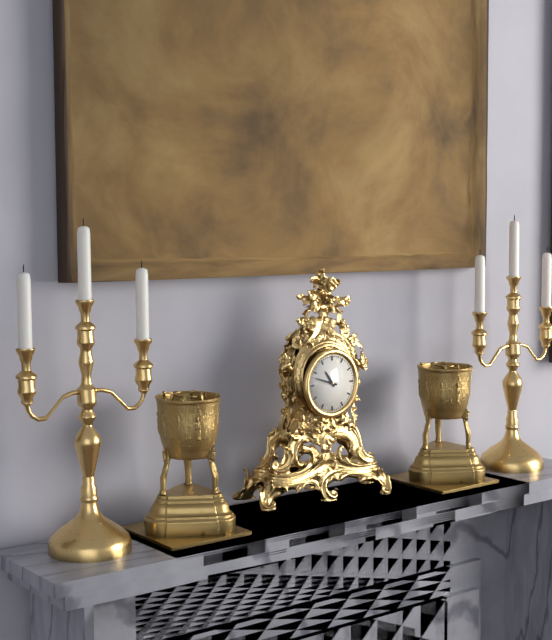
h=10 m=48
